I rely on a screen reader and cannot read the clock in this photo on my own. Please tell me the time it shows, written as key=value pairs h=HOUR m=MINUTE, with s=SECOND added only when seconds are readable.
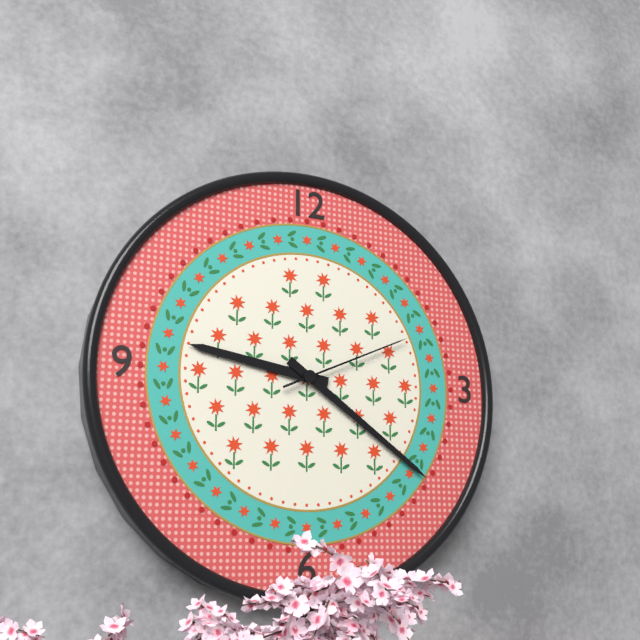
h=9 m=21 s=11
